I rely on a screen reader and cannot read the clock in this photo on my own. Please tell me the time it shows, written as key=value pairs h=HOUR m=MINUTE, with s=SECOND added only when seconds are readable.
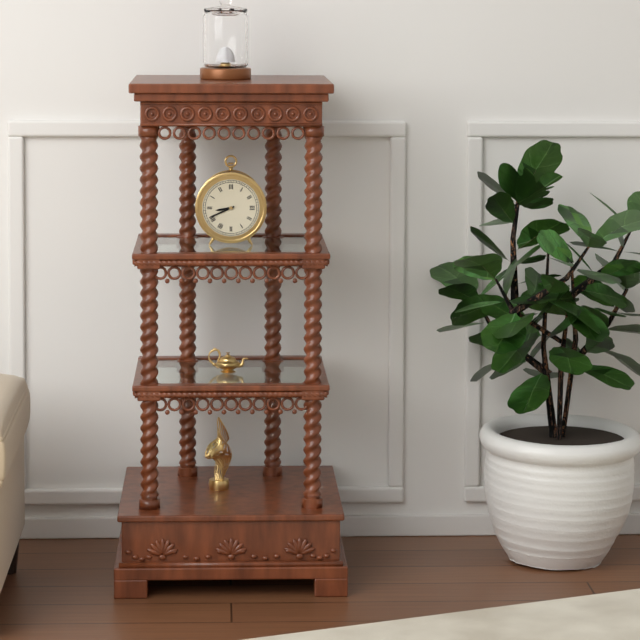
h=8 m=41
